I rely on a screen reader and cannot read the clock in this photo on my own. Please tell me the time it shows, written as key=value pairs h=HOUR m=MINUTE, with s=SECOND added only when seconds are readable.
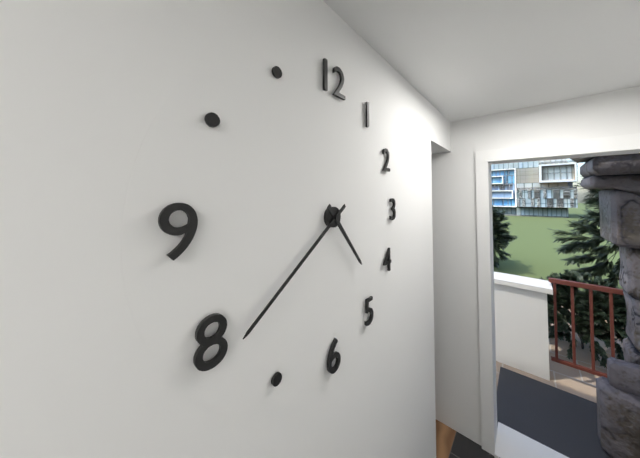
h=4 m=39
